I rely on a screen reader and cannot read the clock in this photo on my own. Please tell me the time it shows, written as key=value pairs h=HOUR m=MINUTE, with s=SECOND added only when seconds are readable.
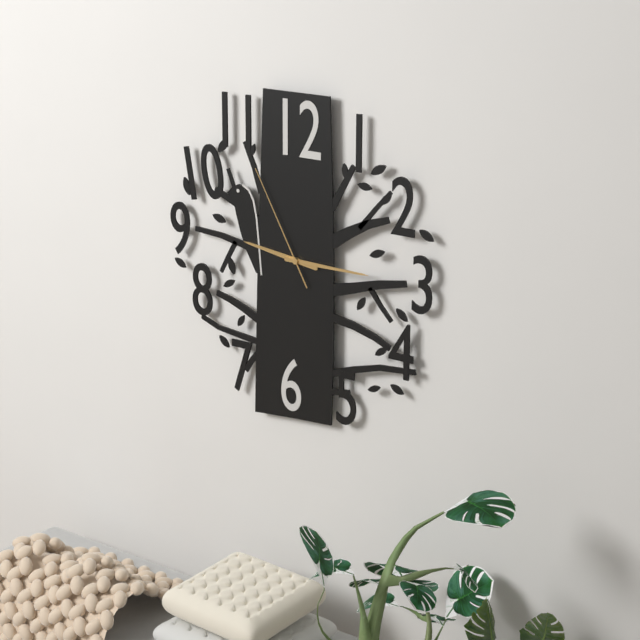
h=9 m=15 s=55
